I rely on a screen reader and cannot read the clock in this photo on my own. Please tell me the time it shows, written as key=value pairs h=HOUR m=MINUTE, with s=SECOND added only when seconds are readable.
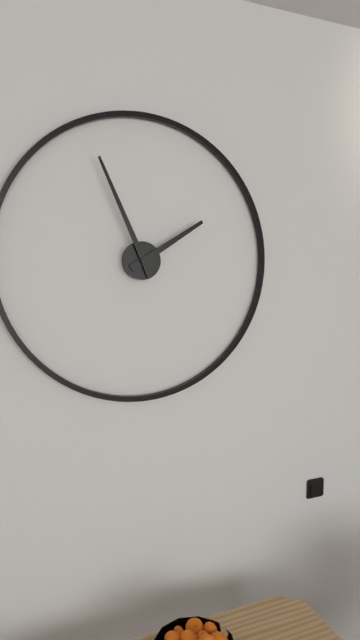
h=1 m=56
